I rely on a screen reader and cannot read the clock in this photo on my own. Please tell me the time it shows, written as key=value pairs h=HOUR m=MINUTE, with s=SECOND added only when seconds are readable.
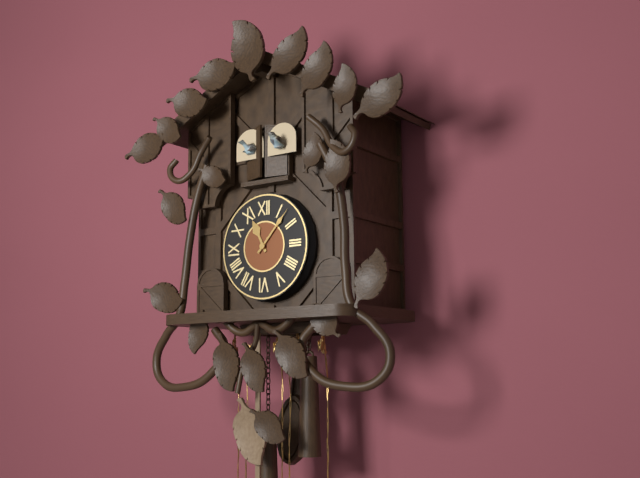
h=11 m=7
